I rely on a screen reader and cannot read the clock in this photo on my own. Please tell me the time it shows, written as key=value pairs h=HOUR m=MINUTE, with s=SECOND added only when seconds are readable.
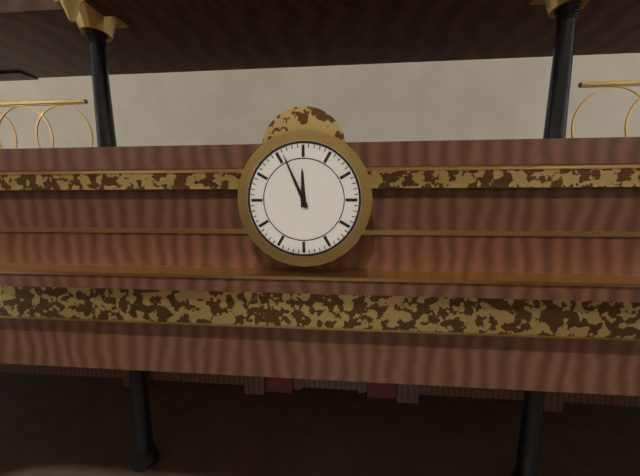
h=11 m=56
